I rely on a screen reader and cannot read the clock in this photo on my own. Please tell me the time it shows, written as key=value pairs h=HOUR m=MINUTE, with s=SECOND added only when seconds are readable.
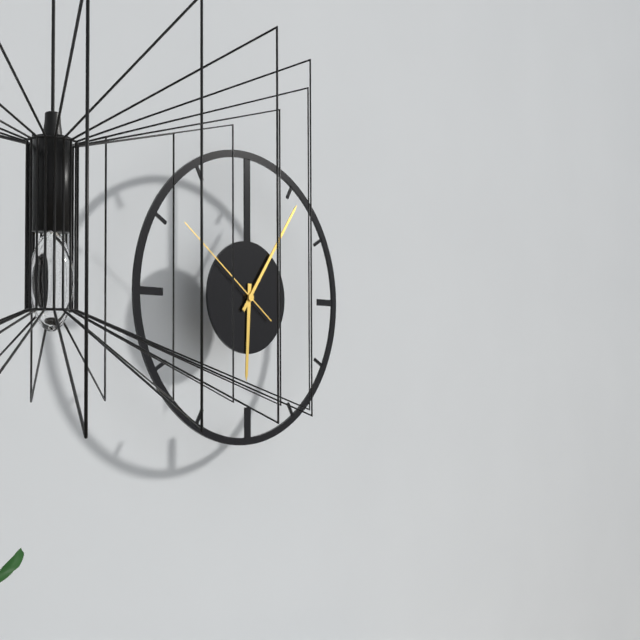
h=6 m=6 s=51
